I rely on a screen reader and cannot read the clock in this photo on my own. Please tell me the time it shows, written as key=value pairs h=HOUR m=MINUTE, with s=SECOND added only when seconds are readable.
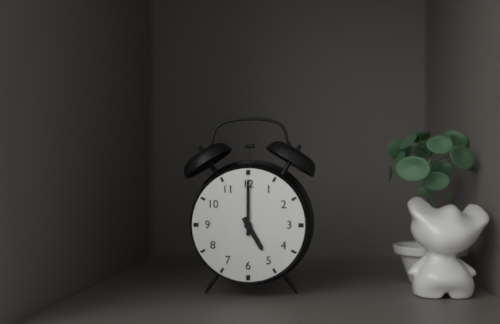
h=5 m=0
